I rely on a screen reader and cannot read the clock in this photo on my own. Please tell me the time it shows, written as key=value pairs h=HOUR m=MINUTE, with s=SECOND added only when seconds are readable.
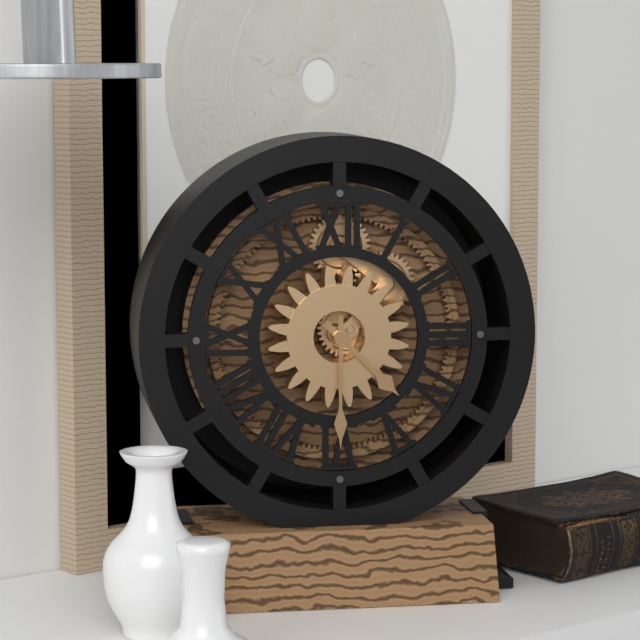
h=4 m=30
